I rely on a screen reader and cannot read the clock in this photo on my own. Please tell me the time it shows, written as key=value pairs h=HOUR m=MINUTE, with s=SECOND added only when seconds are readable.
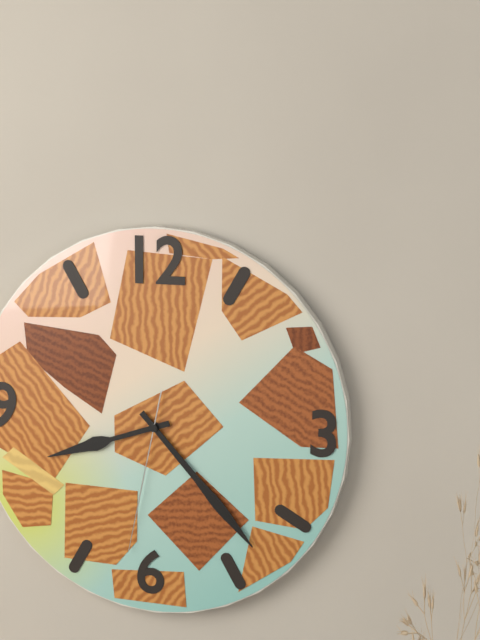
h=8 m=23 s=32
